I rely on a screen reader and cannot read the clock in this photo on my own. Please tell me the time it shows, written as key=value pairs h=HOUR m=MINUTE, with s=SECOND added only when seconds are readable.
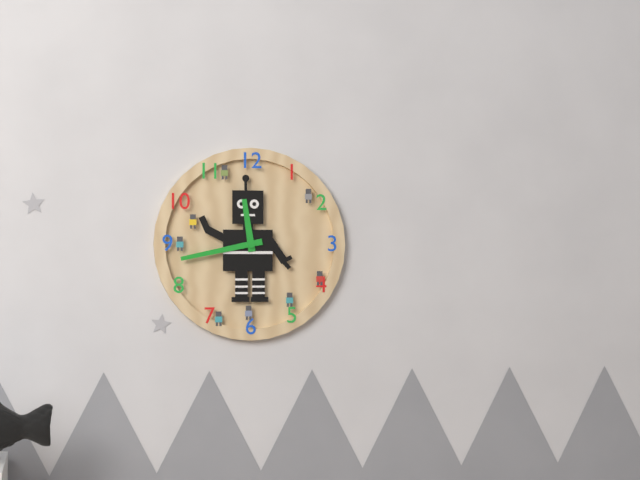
h=11 m=43
